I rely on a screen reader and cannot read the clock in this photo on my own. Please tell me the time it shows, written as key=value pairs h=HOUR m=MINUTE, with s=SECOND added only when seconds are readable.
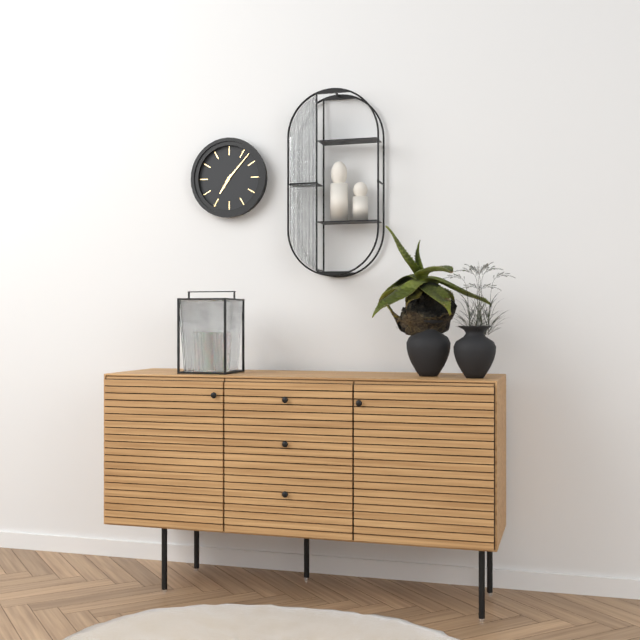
h=7 m=7
